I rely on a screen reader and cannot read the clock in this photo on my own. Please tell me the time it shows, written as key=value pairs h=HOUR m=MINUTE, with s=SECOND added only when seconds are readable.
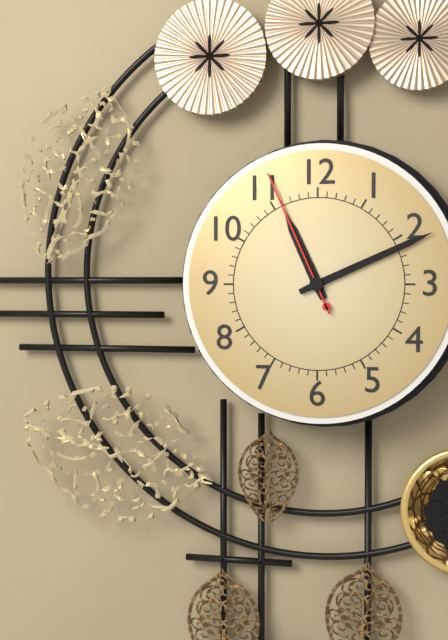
h=11 m=11 s=56
